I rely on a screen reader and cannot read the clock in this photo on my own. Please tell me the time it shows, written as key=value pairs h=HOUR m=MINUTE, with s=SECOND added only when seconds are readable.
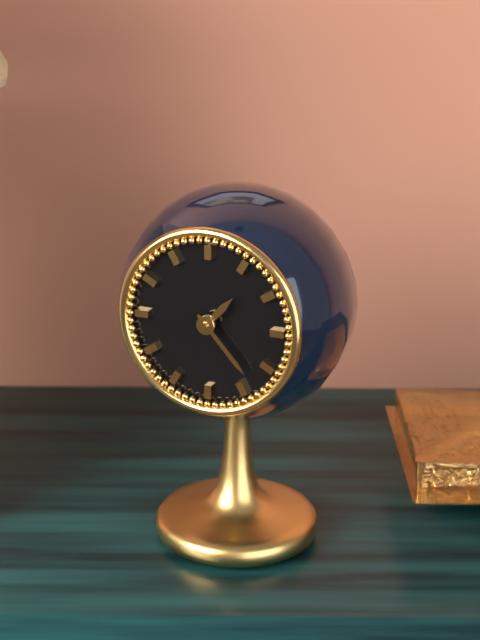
h=1 m=23
